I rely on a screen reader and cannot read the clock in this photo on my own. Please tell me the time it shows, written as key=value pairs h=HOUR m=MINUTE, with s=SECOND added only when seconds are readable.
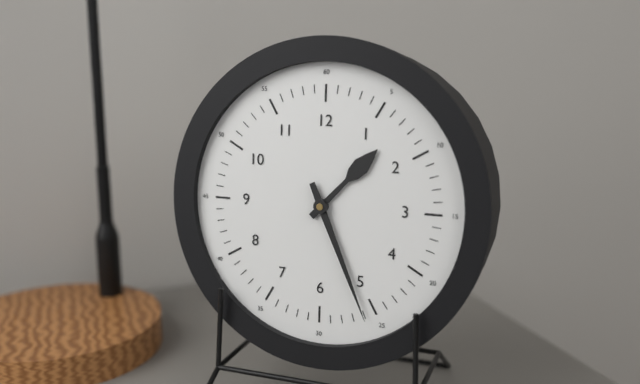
h=1 m=26
